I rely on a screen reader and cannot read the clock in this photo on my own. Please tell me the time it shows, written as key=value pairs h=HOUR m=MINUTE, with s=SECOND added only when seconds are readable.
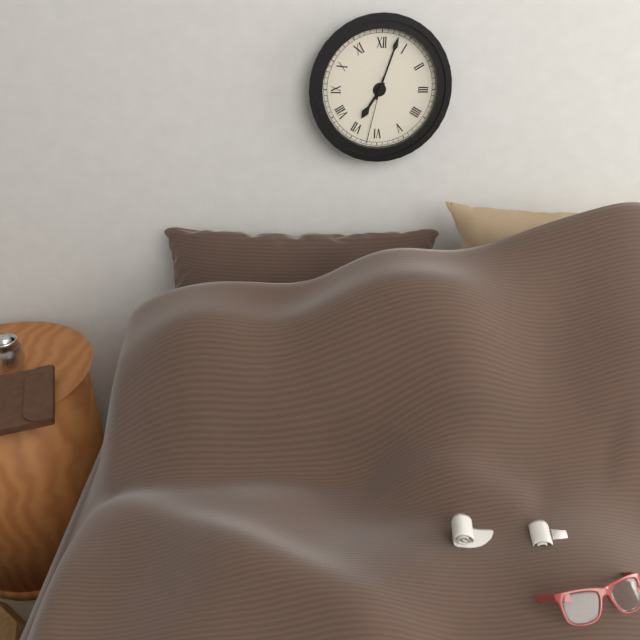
h=7 m=3 s=32
